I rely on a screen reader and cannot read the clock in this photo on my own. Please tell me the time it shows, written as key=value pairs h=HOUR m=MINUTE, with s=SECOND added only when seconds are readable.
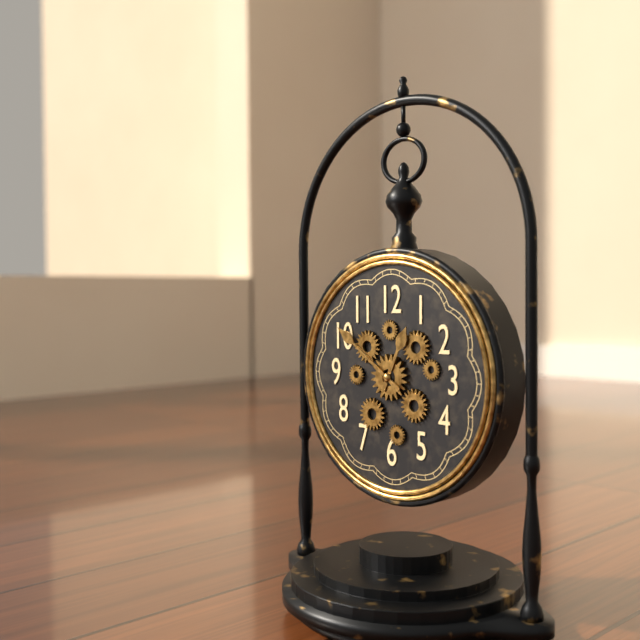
h=12 m=51
